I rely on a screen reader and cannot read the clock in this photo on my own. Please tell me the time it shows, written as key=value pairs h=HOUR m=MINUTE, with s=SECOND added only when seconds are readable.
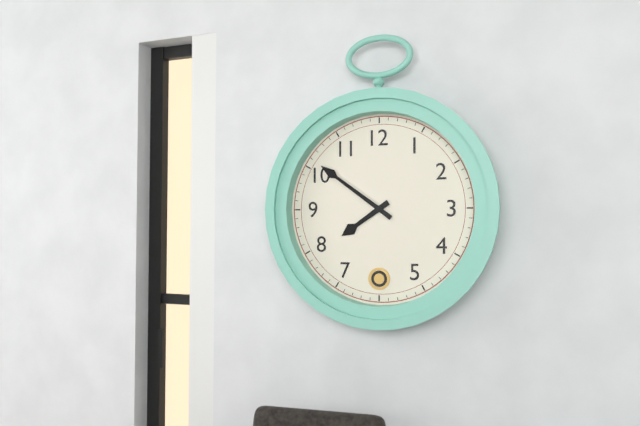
h=7 m=51
